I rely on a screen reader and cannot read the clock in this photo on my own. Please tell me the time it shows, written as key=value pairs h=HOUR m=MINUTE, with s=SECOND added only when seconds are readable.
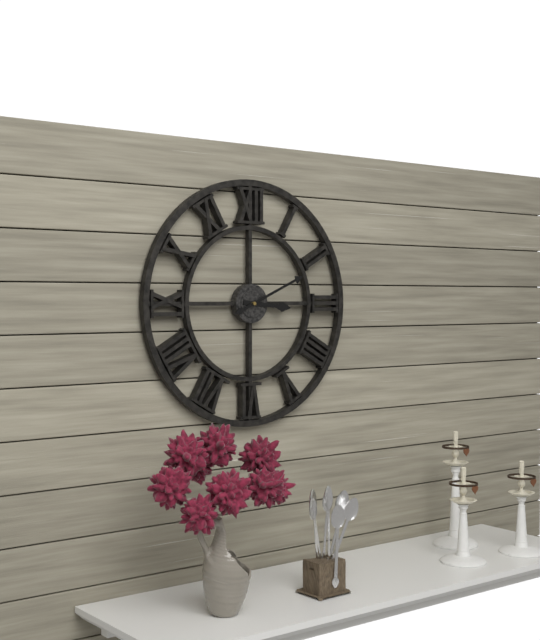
h=3 m=11
